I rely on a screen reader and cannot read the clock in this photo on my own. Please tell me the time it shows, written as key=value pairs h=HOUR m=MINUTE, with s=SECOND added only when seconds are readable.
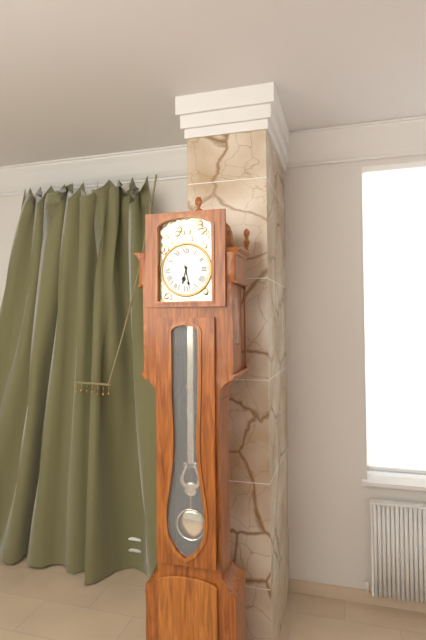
h=6 m=28
